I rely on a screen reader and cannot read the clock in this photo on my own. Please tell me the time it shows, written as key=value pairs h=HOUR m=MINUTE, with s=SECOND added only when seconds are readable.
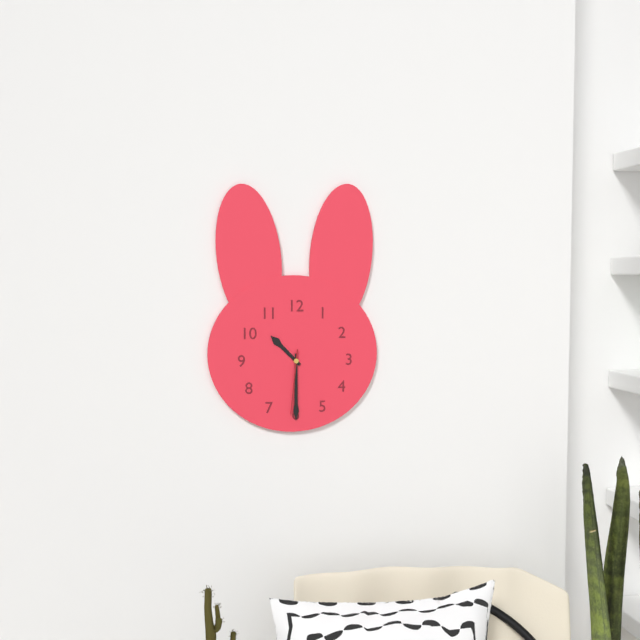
h=10 m=30 s=31
